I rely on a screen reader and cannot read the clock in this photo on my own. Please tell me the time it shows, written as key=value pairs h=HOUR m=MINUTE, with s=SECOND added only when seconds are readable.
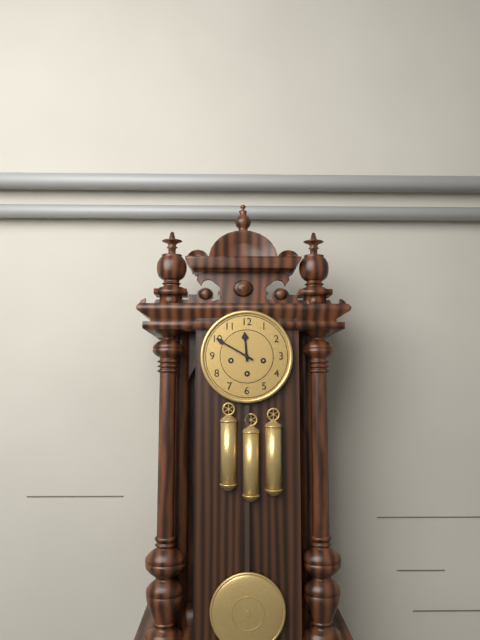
h=11 m=50
